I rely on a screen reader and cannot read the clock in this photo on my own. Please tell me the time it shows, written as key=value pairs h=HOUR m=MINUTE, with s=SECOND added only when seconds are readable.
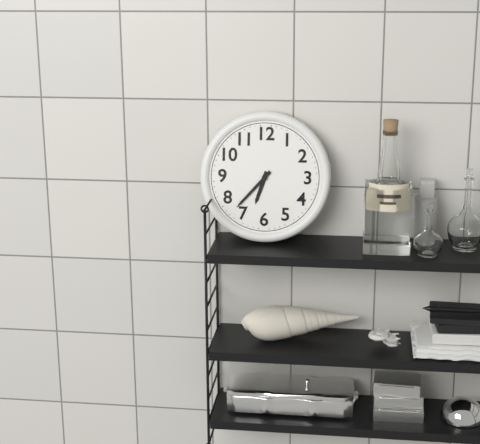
h=6 m=37
